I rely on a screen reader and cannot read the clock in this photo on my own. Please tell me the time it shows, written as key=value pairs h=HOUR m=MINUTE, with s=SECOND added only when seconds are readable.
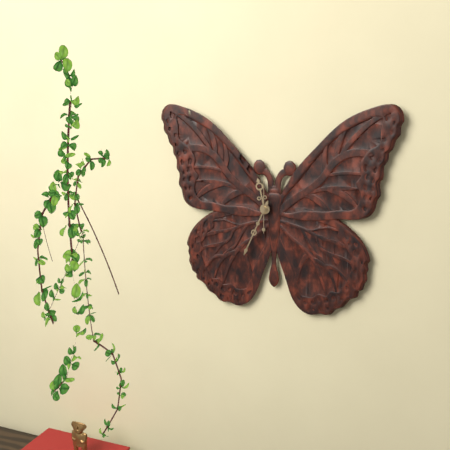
h=11 m=34
